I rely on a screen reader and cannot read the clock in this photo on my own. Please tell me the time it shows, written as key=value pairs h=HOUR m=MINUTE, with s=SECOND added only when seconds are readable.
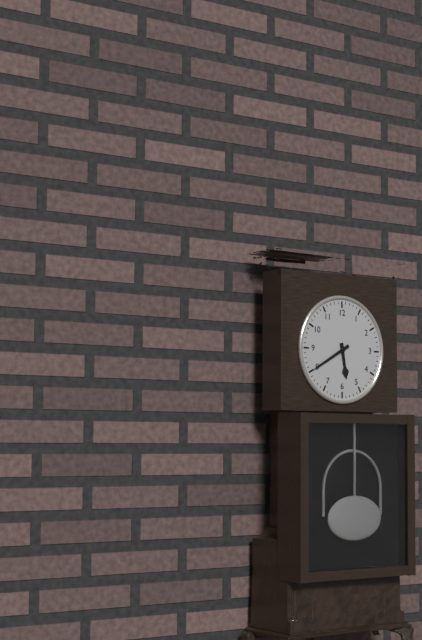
h=5 m=40
